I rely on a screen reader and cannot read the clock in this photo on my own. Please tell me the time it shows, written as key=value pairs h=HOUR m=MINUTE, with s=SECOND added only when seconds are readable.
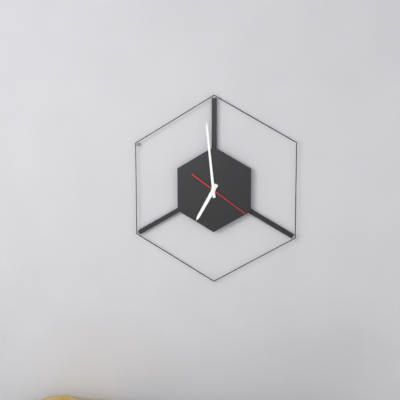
h=6 m=59 s=21
